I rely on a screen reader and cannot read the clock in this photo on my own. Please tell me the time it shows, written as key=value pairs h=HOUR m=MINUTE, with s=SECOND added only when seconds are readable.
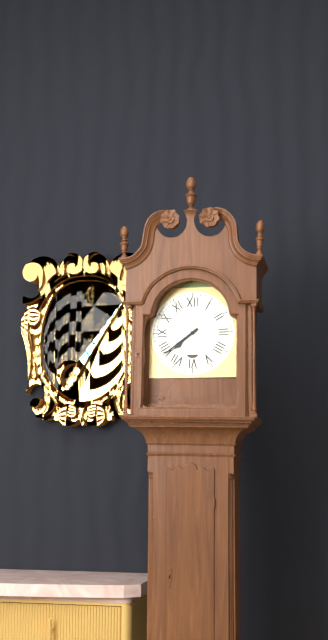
h=7 m=39
